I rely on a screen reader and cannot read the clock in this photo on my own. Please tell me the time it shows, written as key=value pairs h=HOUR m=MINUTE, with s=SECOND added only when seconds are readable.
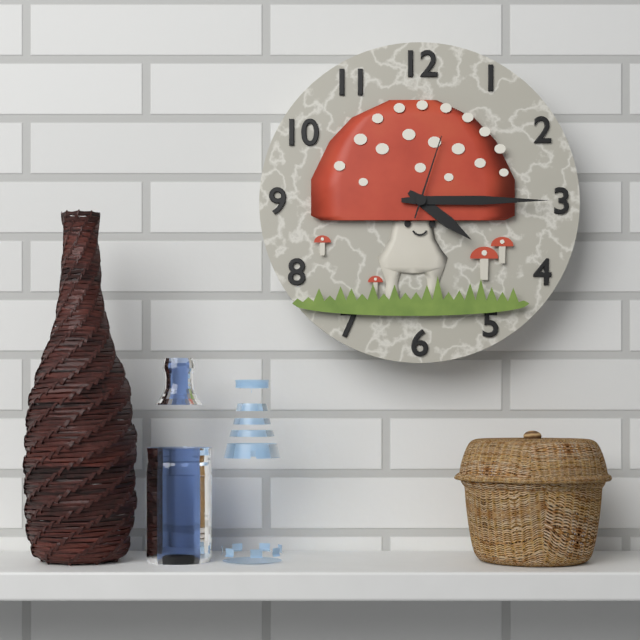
h=4 m=15 s=3
